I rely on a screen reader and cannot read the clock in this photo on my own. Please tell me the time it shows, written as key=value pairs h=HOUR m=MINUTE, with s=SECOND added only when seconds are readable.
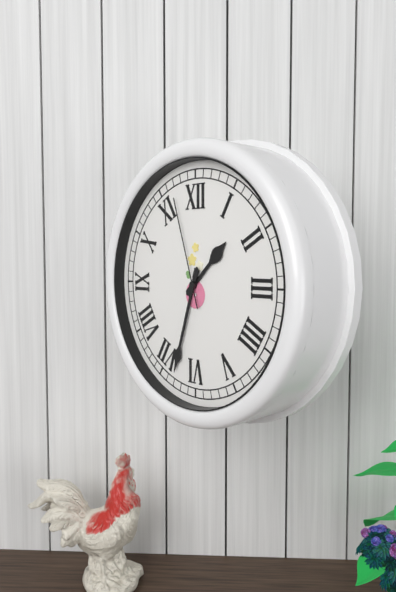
h=1 m=33 s=57
